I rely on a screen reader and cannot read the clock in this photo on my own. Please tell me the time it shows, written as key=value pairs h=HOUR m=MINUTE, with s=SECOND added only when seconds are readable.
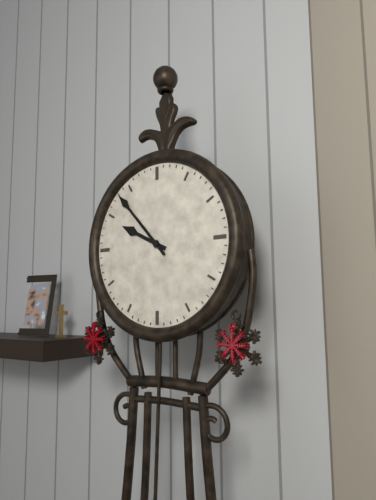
h=9 m=53
